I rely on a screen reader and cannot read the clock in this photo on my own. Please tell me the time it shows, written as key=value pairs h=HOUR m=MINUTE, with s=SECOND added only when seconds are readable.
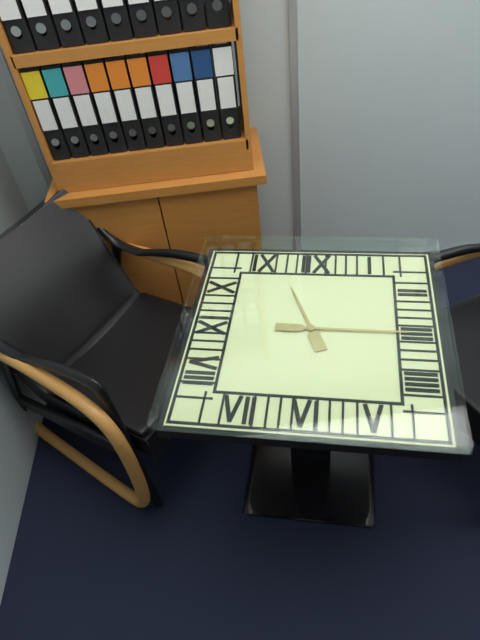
h=11 m=15
